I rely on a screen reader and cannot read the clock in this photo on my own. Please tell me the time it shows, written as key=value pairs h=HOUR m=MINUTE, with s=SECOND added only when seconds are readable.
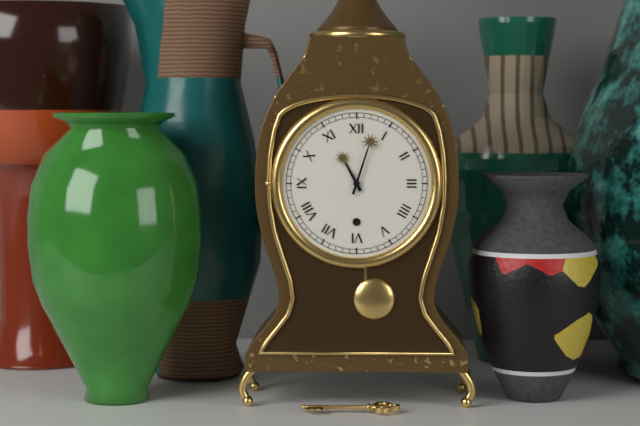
h=11 m=3
